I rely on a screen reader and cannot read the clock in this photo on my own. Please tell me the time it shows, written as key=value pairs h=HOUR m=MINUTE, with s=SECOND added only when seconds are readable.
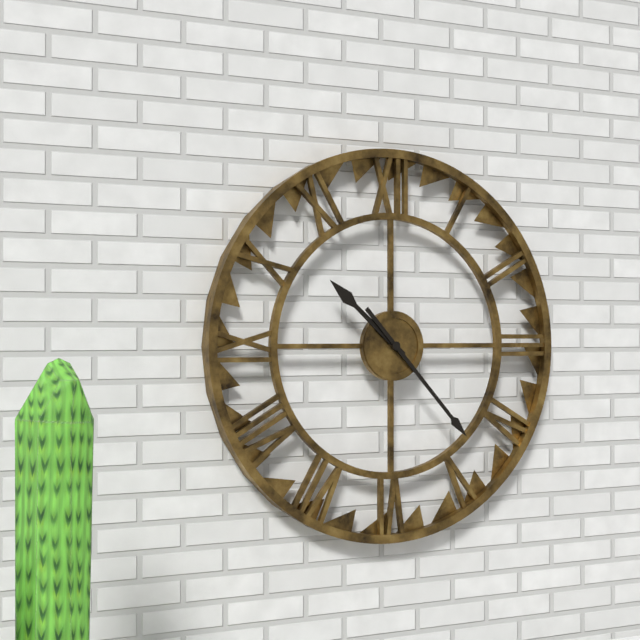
h=10 m=23
